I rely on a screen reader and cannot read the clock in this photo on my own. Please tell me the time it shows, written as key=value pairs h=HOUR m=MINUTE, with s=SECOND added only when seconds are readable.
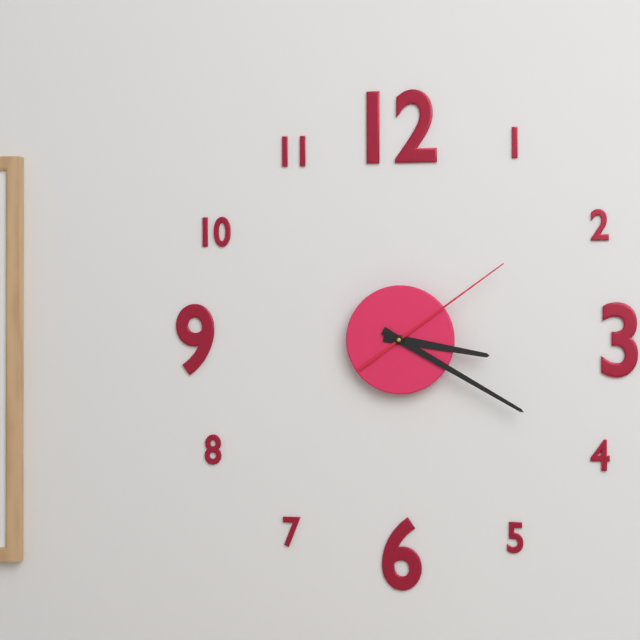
h=3 m=20 s=9
